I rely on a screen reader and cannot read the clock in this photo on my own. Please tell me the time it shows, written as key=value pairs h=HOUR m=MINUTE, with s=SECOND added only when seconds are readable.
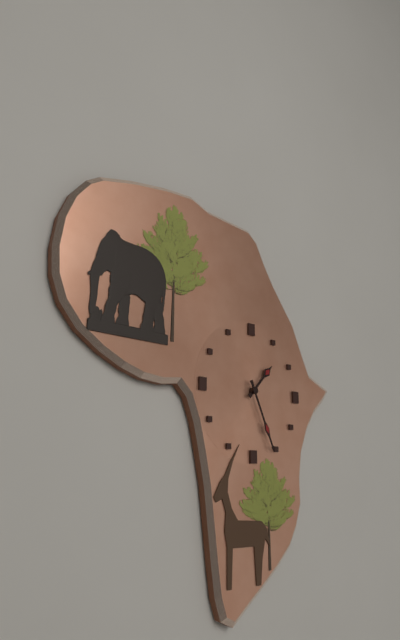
h=1 m=26
